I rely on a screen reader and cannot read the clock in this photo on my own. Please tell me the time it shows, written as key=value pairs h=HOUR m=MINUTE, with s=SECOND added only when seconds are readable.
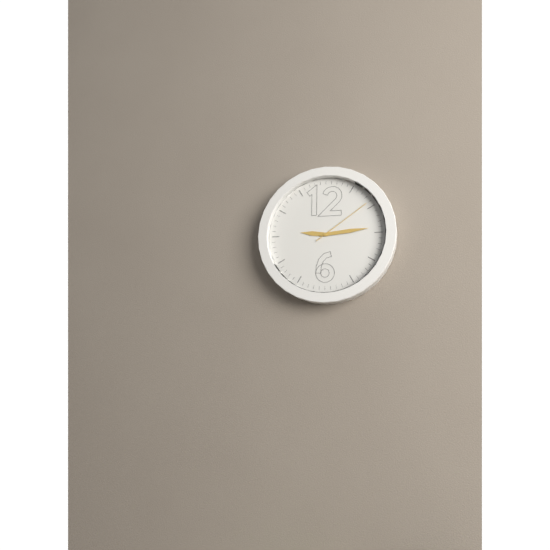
h=9 m=14 s=9
